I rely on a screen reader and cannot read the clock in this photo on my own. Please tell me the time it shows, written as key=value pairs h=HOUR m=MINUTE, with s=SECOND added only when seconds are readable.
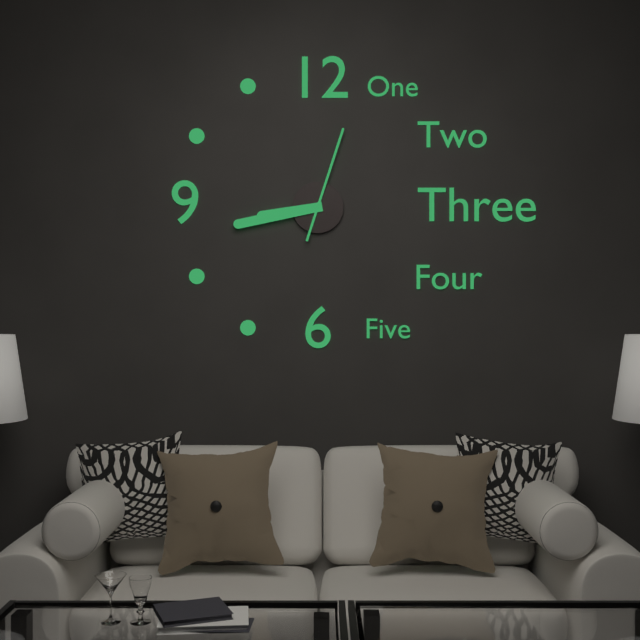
h=8 m=43 s=3
